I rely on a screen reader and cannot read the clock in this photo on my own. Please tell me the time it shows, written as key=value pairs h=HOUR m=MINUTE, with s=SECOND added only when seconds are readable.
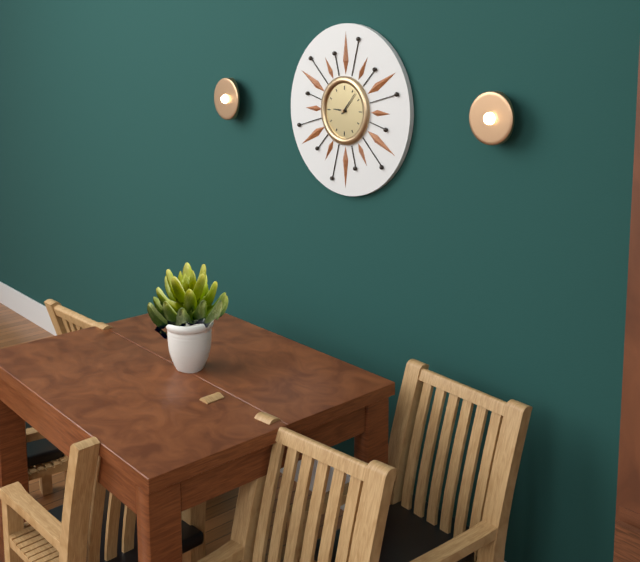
h=9 m=7
